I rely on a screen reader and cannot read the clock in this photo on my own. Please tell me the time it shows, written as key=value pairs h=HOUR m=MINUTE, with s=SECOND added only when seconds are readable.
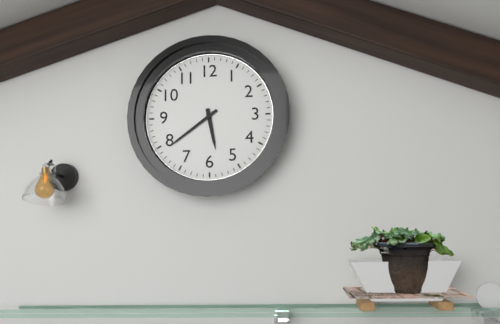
h=5 m=39
